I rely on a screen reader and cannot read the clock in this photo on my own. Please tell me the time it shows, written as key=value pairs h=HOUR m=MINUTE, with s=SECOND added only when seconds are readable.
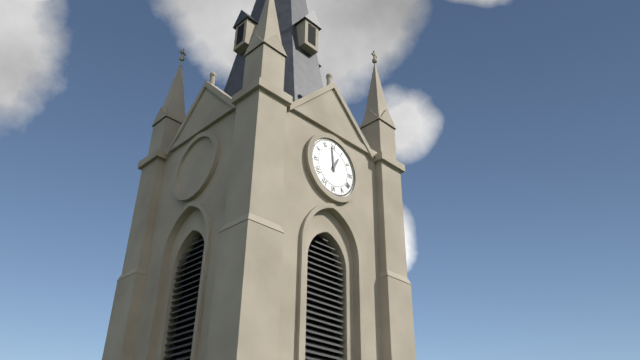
h=12 m=59
